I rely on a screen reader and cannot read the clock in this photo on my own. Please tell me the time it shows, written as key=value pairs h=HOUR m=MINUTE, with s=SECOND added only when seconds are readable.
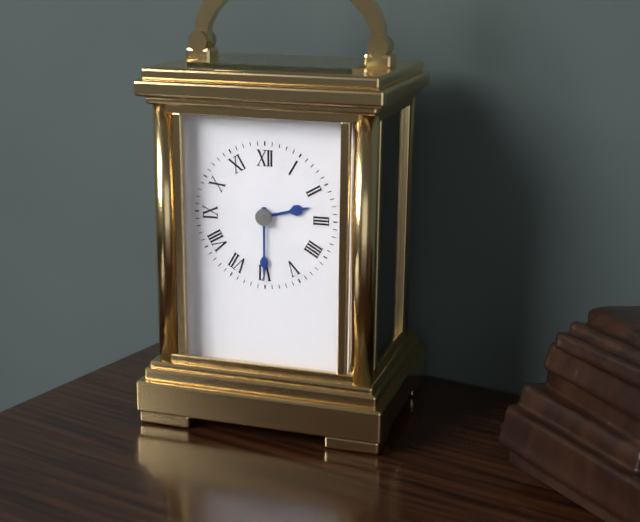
h=2 m=30
